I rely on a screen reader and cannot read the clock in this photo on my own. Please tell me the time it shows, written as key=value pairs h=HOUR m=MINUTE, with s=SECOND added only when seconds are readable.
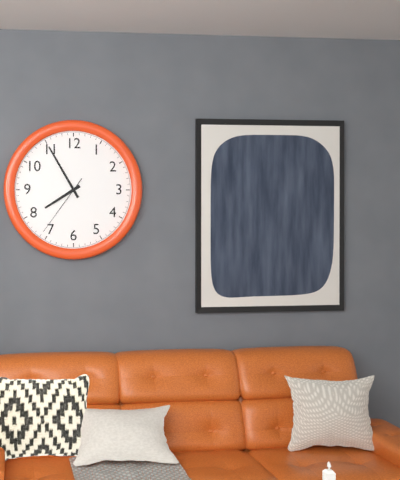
h=7 m=55 s=36
